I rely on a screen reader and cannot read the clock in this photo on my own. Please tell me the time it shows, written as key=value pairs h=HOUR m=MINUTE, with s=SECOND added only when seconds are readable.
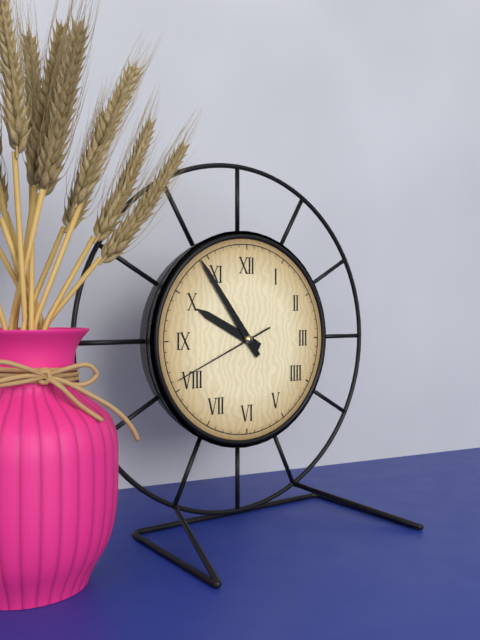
h=9 m=54 s=41
